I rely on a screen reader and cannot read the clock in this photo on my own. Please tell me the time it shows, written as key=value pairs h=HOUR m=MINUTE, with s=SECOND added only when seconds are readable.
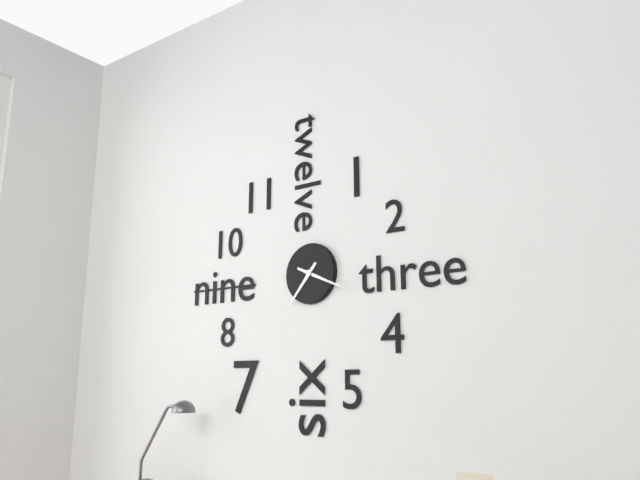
h=7 m=19
